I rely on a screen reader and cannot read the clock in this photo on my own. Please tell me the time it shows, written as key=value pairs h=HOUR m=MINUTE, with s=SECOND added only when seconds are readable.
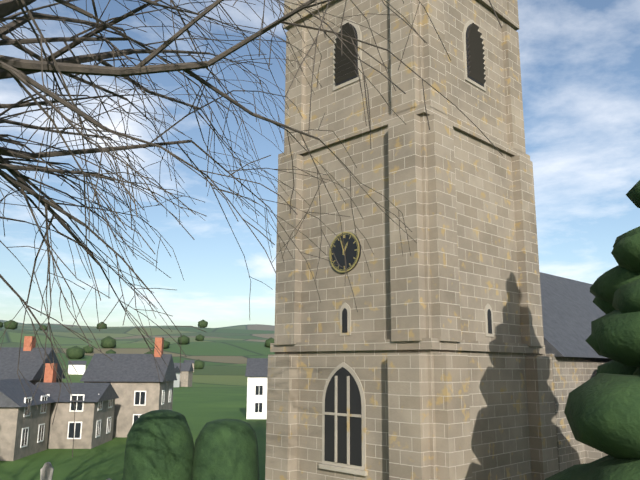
h=12 m=57
